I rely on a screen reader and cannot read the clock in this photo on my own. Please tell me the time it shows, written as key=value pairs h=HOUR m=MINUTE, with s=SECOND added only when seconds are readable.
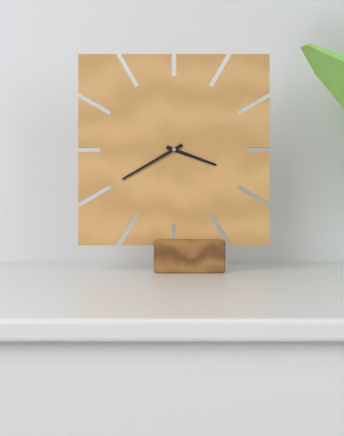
h=3 m=40
